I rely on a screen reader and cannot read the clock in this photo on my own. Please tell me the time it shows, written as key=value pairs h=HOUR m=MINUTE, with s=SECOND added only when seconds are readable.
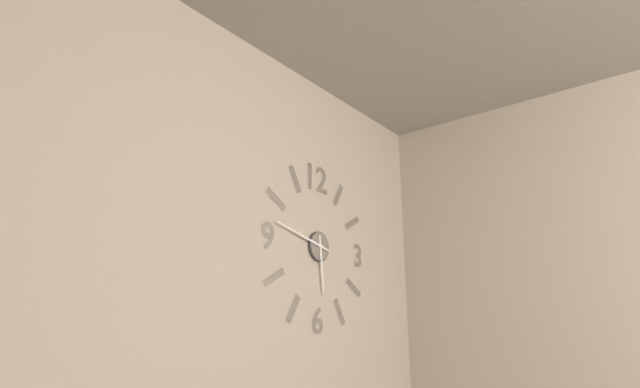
h=5 m=47
